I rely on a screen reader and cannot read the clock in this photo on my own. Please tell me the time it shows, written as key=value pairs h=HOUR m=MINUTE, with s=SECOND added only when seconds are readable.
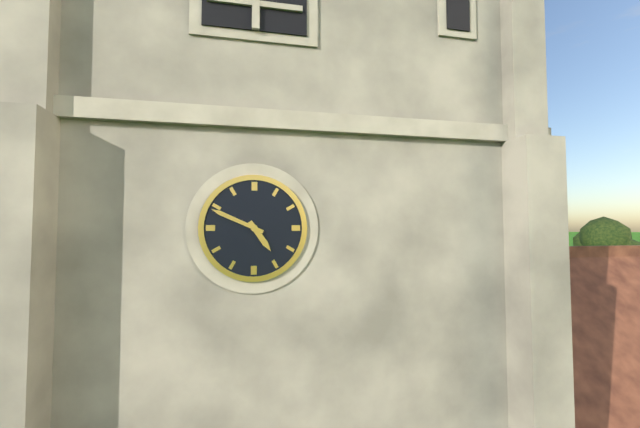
h=4 m=49
